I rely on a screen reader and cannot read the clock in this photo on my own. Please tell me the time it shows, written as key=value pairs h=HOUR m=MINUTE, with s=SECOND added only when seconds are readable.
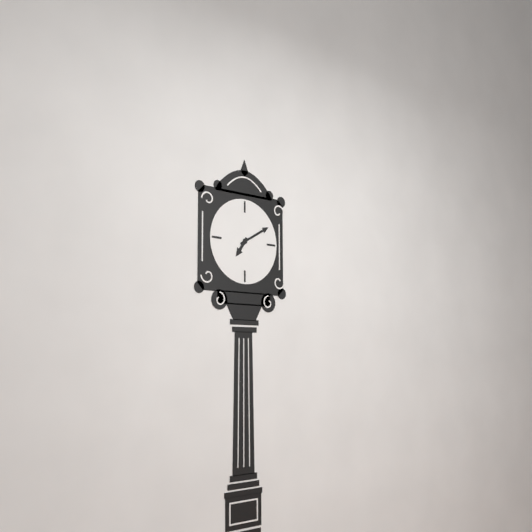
h=7 m=10
